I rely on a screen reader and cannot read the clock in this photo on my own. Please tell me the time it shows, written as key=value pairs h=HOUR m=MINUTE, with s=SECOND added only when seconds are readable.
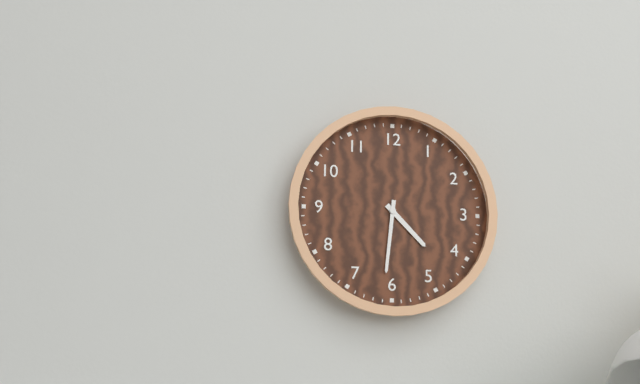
h=4 m=31
